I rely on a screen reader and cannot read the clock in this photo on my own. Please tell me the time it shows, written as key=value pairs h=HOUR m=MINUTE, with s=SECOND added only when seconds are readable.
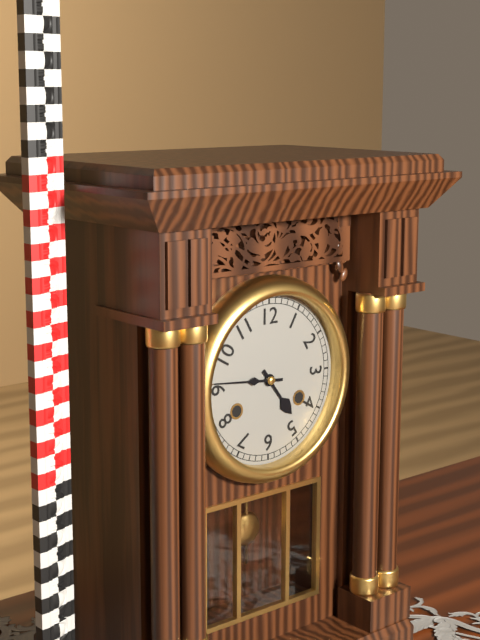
h=4 m=46
